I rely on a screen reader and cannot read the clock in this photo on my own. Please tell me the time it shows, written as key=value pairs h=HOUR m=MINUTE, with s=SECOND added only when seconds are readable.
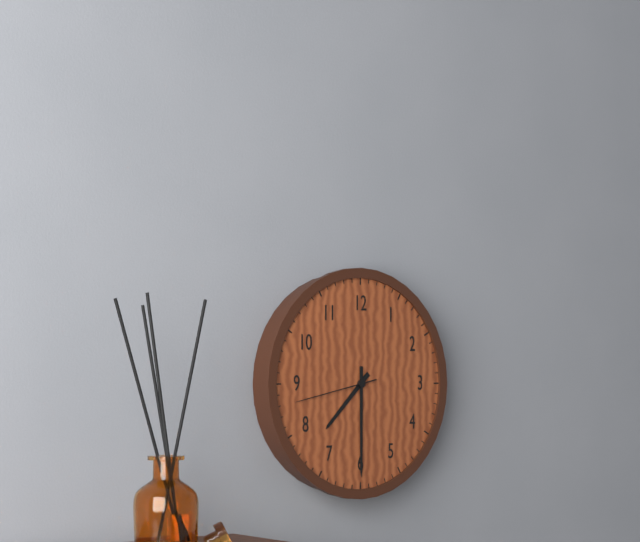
h=7 m=30 s=43
